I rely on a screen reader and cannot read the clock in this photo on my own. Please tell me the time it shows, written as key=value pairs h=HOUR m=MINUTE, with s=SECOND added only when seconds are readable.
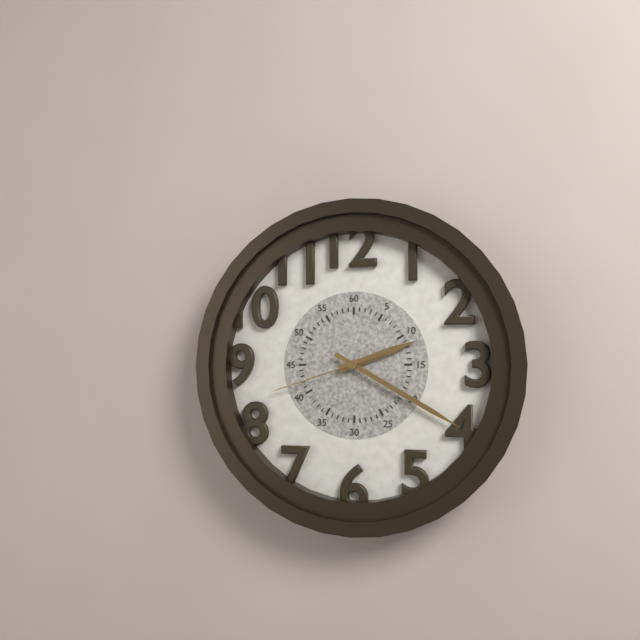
h=2 m=20 s=42
